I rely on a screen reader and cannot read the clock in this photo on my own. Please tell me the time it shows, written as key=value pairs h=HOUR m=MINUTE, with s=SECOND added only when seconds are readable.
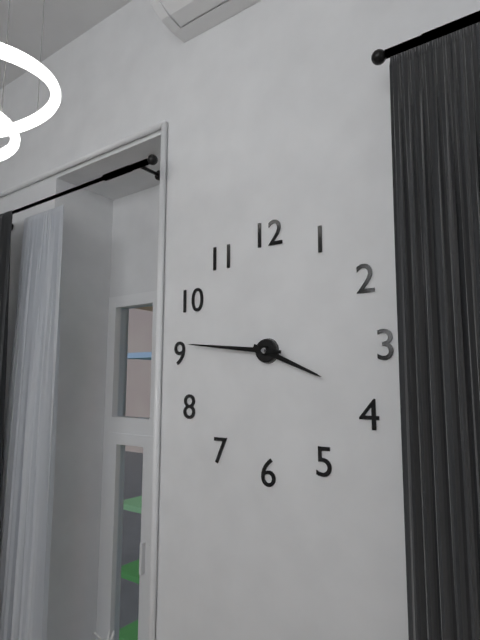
h=3 m=46
